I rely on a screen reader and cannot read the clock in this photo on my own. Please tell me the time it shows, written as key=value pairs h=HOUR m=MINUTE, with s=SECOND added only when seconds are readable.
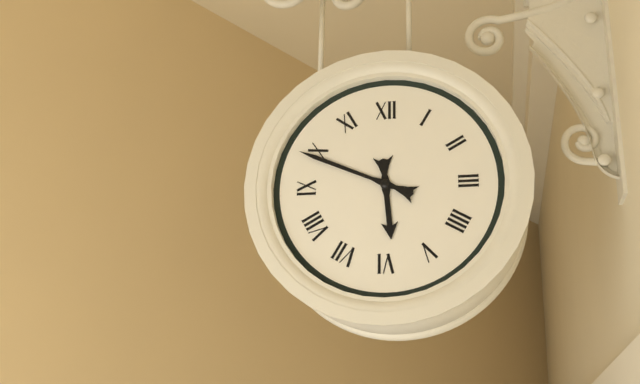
h=5 m=49
